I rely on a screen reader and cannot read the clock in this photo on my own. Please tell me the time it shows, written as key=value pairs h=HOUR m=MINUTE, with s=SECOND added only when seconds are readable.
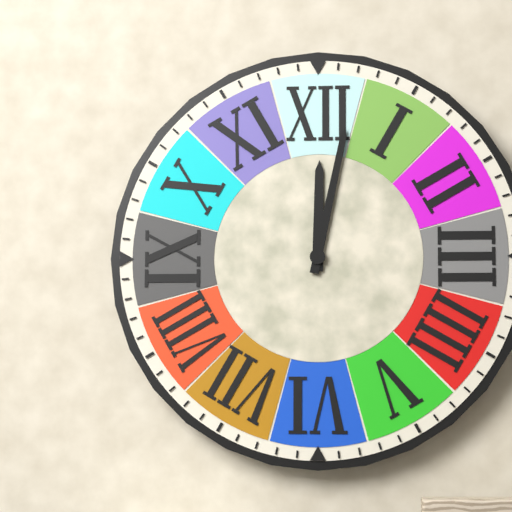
h=12 m=2
